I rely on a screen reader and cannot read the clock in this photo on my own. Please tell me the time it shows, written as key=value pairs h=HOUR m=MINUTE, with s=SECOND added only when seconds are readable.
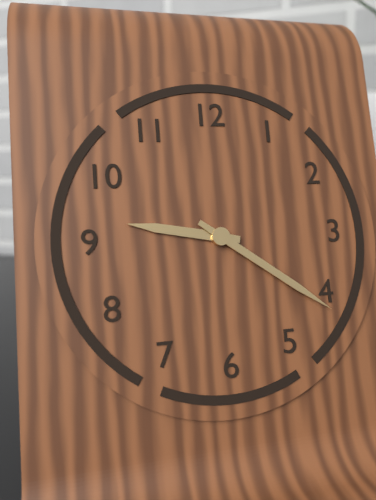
h=9 m=21
